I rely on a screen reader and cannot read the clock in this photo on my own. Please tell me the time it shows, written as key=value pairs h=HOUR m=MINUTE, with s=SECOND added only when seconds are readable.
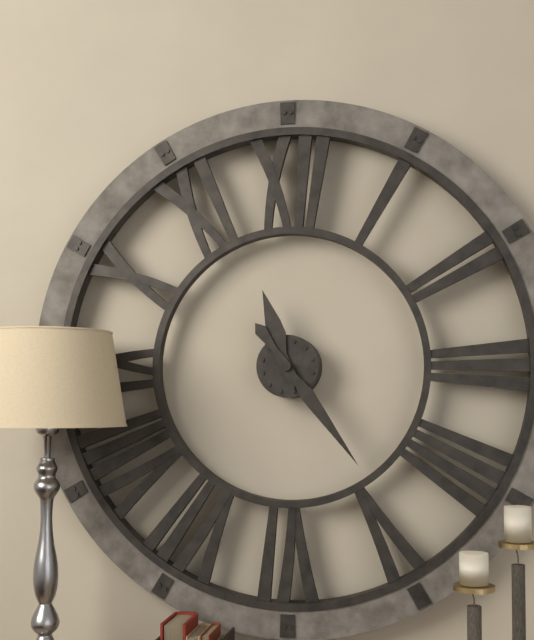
h=11 m=24
